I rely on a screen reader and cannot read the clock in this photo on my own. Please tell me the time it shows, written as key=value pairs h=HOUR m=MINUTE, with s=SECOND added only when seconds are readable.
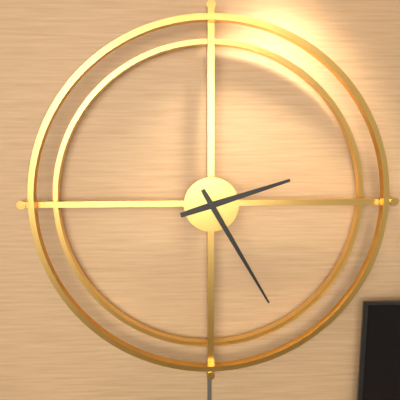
h=2 m=25
